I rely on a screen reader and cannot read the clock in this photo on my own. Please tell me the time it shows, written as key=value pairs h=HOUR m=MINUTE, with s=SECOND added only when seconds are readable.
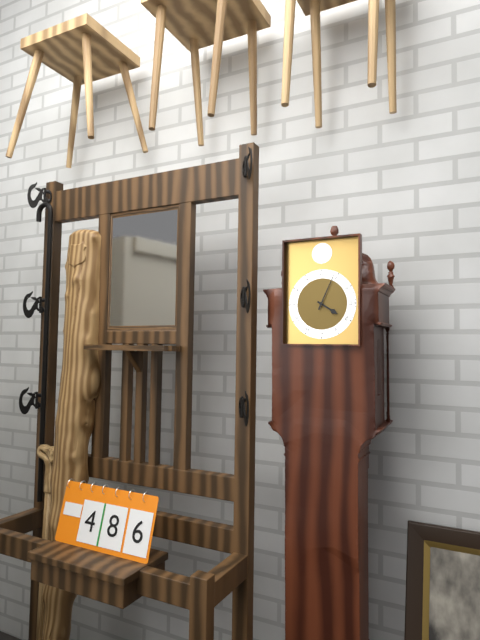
h=4 m=4
